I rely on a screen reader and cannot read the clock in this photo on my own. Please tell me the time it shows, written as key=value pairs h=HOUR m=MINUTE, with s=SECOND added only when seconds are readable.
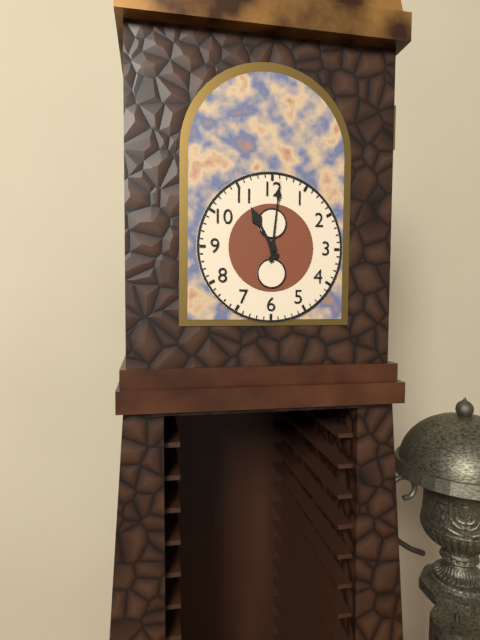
h=11 m=1
